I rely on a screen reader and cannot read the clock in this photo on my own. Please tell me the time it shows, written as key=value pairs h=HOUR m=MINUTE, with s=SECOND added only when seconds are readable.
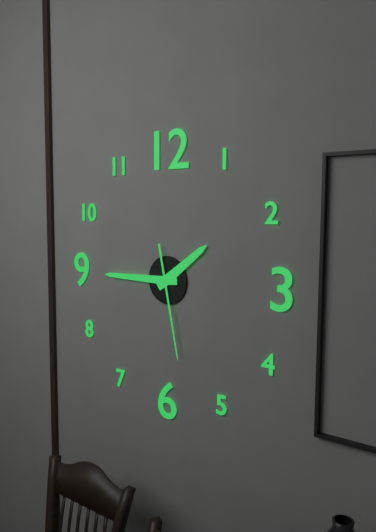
h=1 m=45 s=28
